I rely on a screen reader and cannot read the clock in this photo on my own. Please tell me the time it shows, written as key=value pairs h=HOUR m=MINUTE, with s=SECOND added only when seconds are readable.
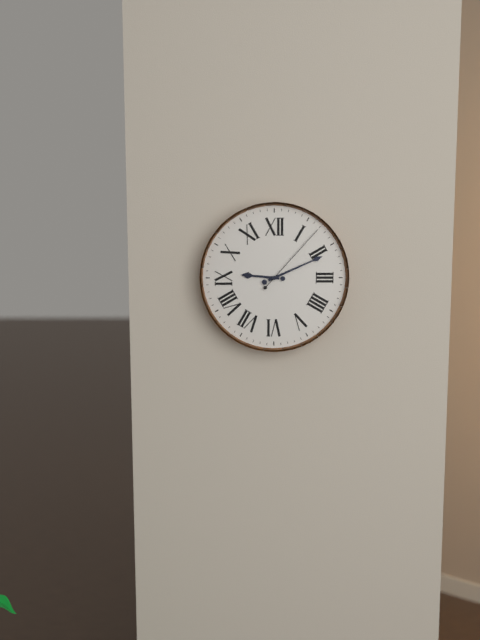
h=9 m=11 s=7
